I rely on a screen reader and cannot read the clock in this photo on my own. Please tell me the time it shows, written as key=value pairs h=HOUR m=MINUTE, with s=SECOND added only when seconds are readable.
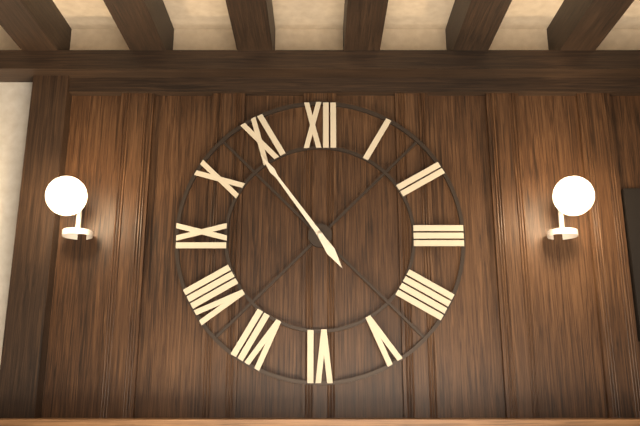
h=4 m=54
